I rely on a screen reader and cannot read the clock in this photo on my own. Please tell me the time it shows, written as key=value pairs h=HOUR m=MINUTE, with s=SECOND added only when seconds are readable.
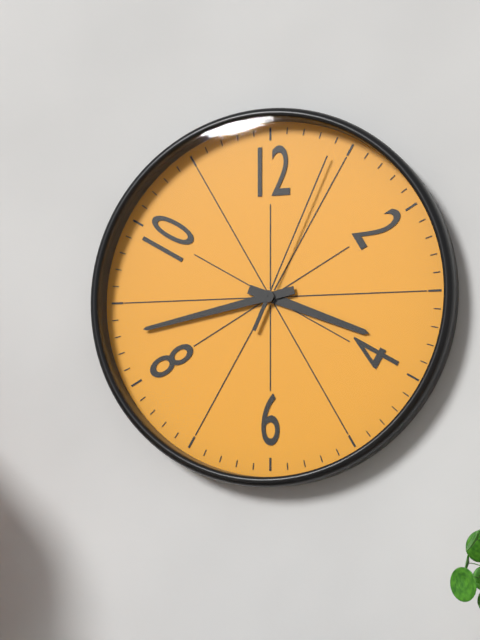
h=3 m=43 s=4
